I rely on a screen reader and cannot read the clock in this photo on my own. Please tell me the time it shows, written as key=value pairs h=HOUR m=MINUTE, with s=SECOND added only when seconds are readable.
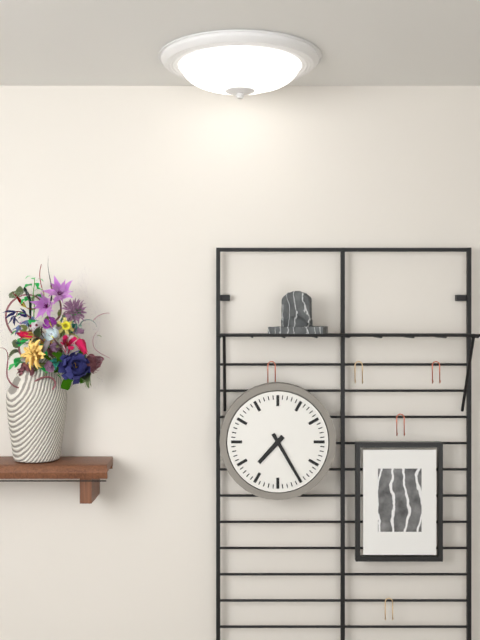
h=7 m=25
